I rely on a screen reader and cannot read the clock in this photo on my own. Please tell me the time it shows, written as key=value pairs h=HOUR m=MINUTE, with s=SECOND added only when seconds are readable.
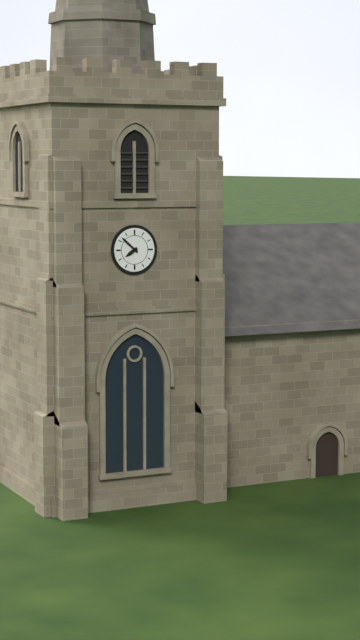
h=7 m=52
